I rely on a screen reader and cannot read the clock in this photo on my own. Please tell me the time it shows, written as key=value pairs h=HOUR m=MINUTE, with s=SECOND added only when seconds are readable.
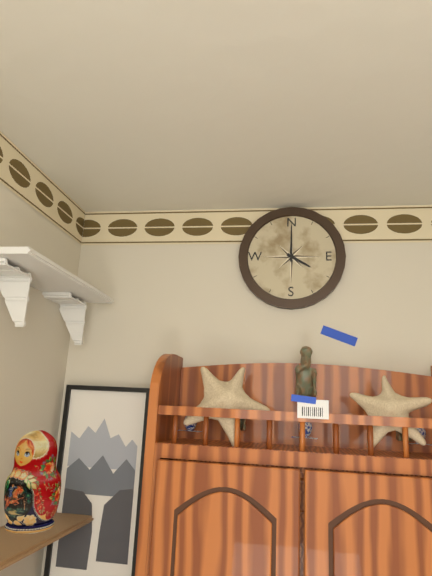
h=4 m=0
